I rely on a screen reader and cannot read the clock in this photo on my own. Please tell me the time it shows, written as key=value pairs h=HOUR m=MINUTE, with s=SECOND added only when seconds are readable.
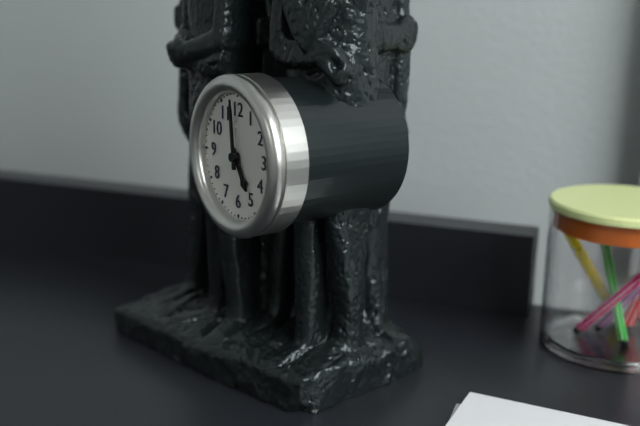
h=4 m=59
